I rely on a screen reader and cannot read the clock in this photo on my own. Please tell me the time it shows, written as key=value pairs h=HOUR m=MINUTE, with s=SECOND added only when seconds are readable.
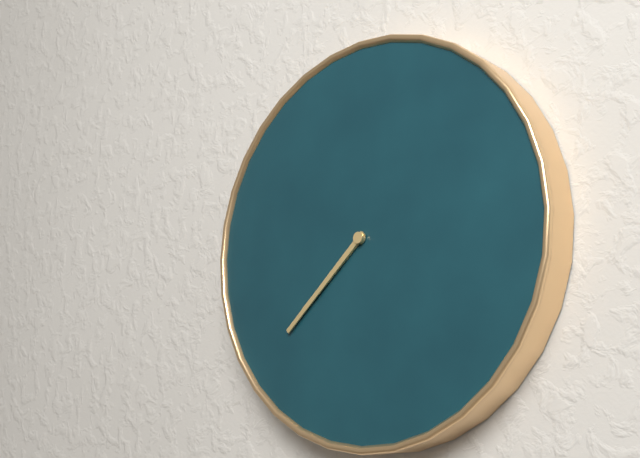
h=7 m=38
